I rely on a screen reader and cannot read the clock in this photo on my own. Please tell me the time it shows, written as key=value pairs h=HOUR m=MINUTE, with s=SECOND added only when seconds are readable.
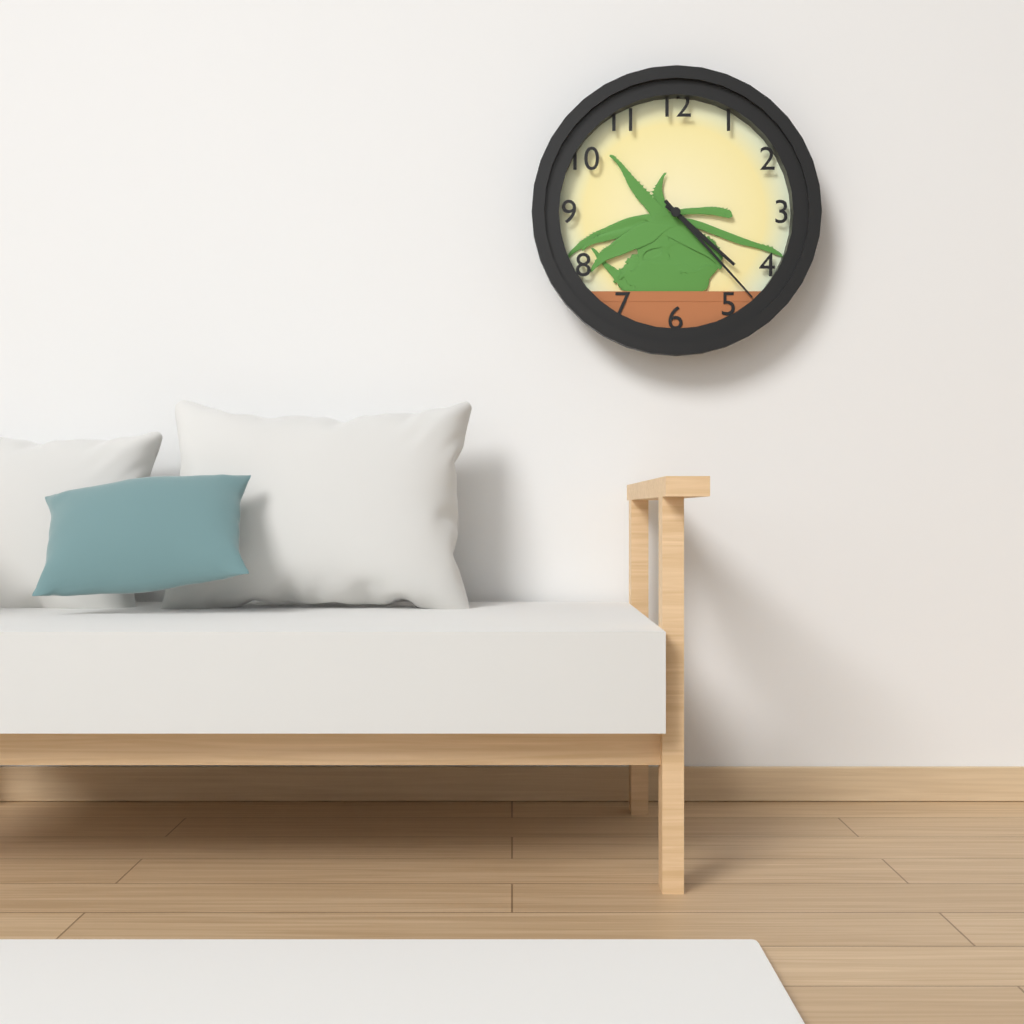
h=4 m=23
